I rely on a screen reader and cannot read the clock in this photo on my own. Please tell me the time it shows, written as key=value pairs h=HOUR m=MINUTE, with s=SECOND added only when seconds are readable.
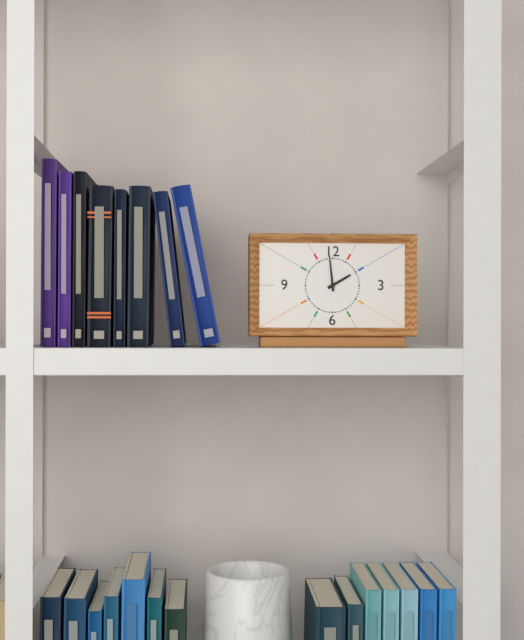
h=1 m=59
